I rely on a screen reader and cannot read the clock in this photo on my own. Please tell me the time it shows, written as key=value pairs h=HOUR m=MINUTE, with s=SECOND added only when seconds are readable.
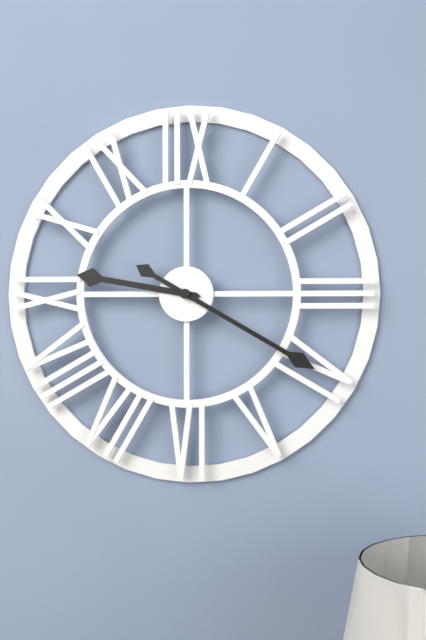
h=9 m=20
